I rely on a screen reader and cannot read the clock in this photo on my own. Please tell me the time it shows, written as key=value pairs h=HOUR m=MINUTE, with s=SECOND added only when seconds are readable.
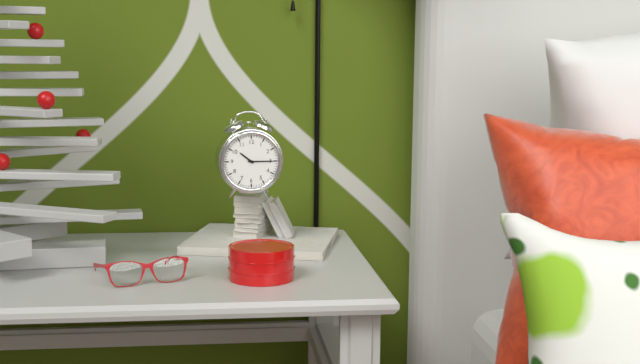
h=10 m=15
